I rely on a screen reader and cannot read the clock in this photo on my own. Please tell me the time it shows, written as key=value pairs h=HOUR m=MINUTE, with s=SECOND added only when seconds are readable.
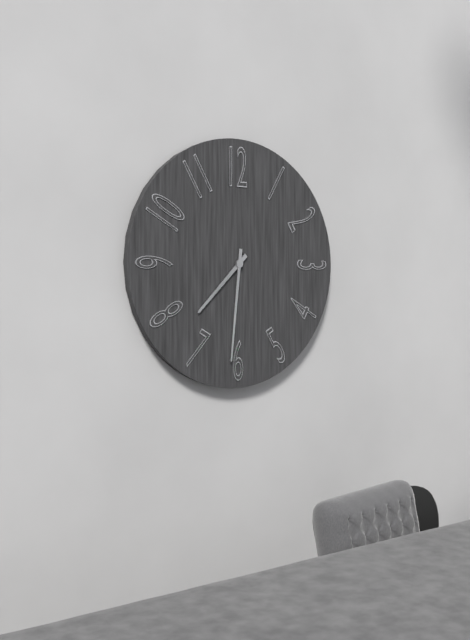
h=7 m=31
